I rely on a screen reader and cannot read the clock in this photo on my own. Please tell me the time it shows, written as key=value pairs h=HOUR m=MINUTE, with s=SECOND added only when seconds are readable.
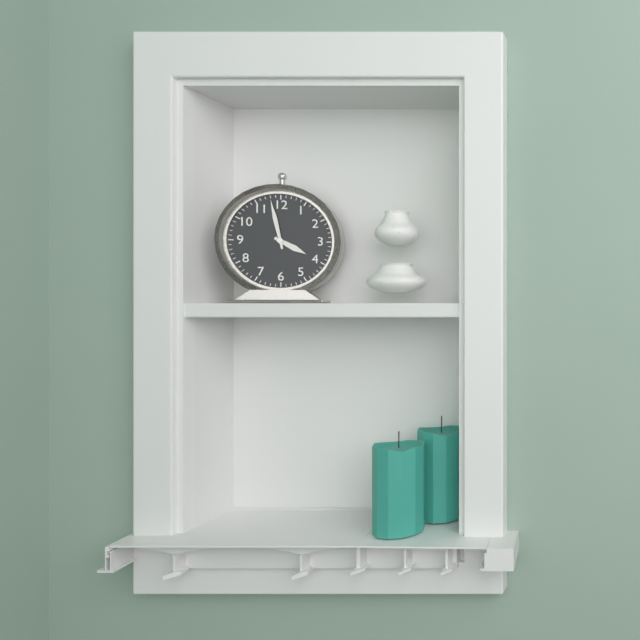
h=3 m=58
